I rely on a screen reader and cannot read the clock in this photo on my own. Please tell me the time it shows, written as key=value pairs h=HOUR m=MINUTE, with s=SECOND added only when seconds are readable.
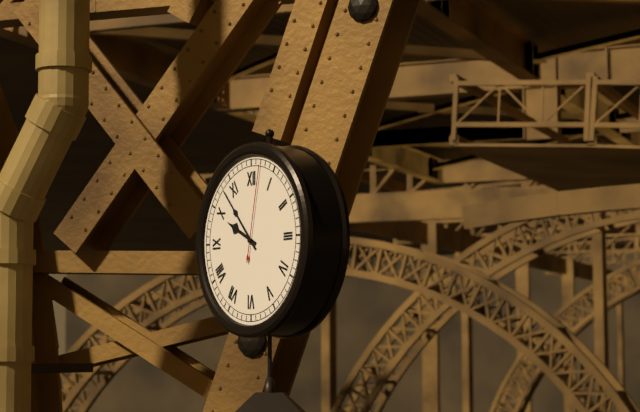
h=9 m=53 s=2
